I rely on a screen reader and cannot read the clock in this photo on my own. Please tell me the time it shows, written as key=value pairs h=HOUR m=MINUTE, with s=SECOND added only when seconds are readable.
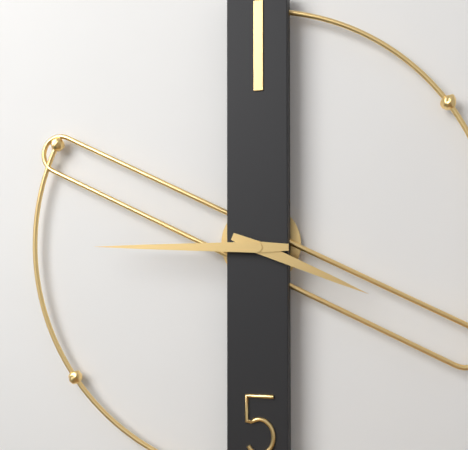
h=3 m=45
